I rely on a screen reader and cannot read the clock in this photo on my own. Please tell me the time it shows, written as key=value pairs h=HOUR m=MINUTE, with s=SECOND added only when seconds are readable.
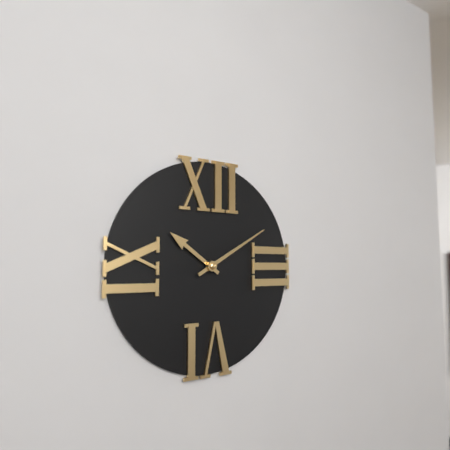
h=10 m=10
